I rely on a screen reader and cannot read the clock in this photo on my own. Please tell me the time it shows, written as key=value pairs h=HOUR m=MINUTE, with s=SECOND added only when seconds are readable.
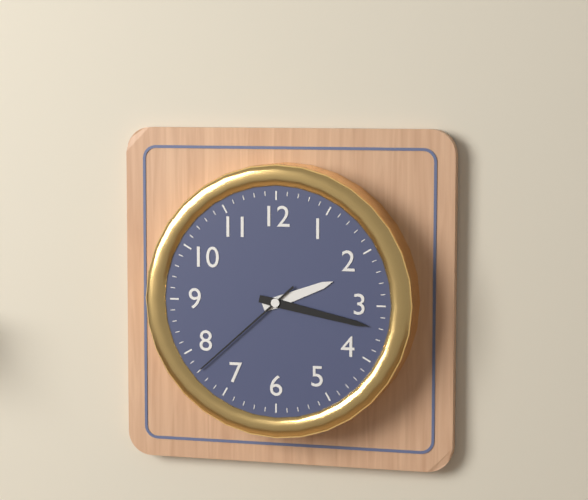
h=2 m=17 s=38
